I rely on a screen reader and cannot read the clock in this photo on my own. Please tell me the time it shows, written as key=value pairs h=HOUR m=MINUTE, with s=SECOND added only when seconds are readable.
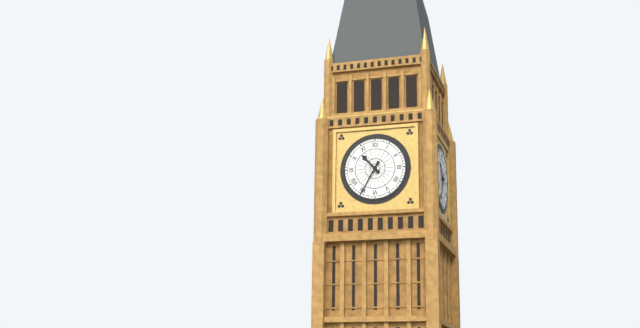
h=10 m=35
